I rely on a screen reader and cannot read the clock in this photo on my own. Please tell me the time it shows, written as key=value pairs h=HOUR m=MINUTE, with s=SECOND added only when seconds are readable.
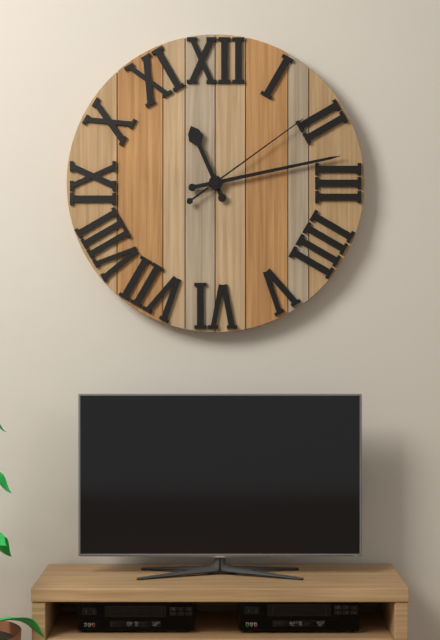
h=11 m=13 s=9
